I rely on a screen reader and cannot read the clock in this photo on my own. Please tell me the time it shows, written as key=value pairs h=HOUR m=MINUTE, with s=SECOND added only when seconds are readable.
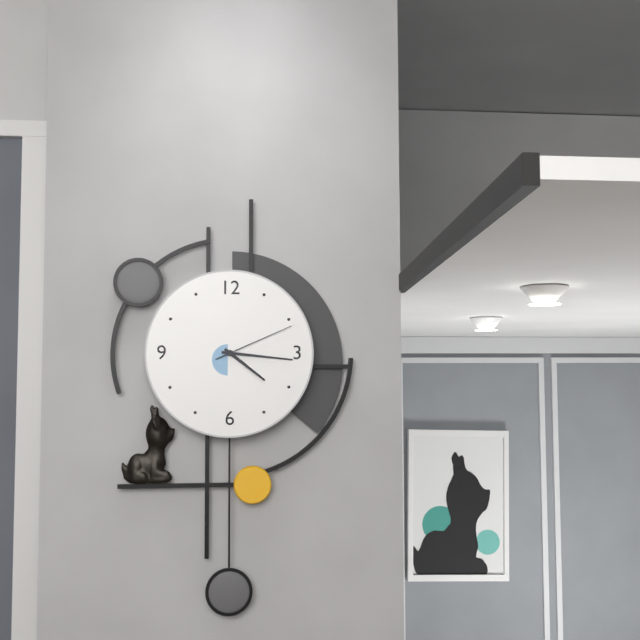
h=4 m=16 s=11
